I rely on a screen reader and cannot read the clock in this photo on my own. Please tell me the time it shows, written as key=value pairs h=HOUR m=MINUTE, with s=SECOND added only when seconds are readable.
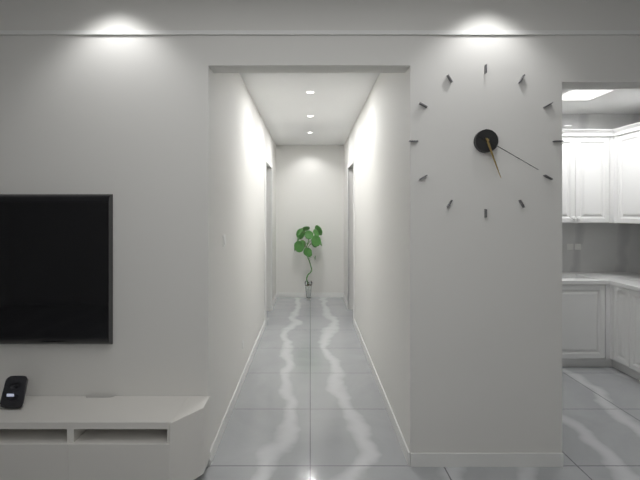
h=5 m=20
